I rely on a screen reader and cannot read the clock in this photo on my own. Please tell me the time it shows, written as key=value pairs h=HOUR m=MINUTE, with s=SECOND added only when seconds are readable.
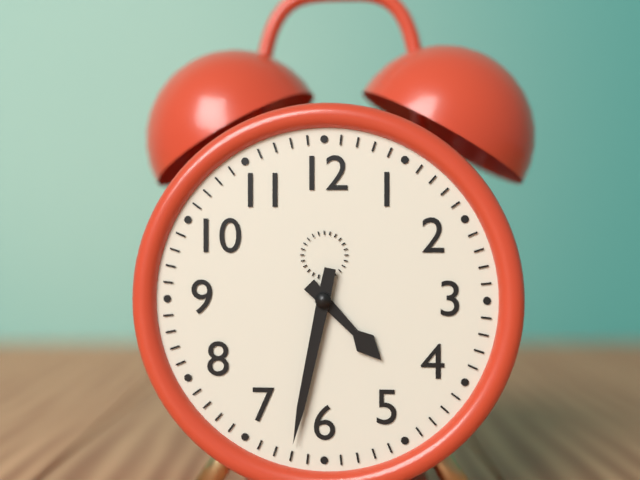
h=4 m=32
